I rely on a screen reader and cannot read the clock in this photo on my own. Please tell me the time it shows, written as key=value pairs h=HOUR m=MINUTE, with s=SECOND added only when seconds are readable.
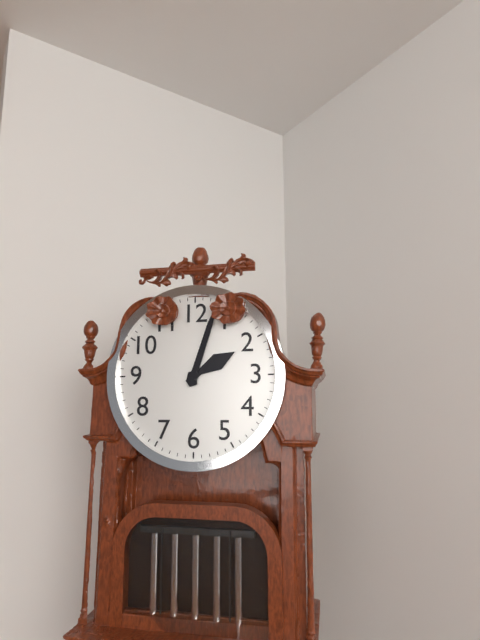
h=2 m=3
